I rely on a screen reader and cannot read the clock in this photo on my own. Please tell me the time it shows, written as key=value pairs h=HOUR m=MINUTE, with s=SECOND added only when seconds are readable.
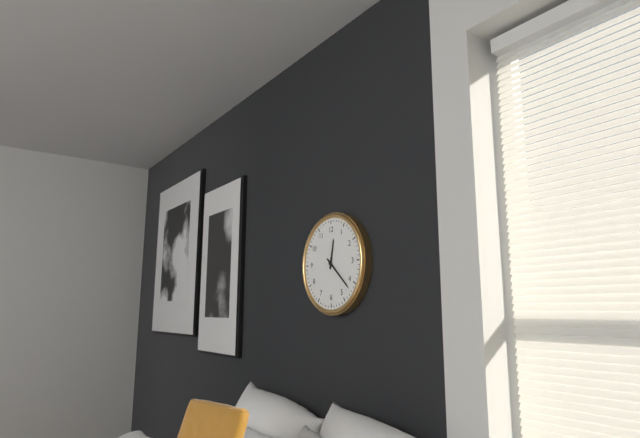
h=12 m=22
